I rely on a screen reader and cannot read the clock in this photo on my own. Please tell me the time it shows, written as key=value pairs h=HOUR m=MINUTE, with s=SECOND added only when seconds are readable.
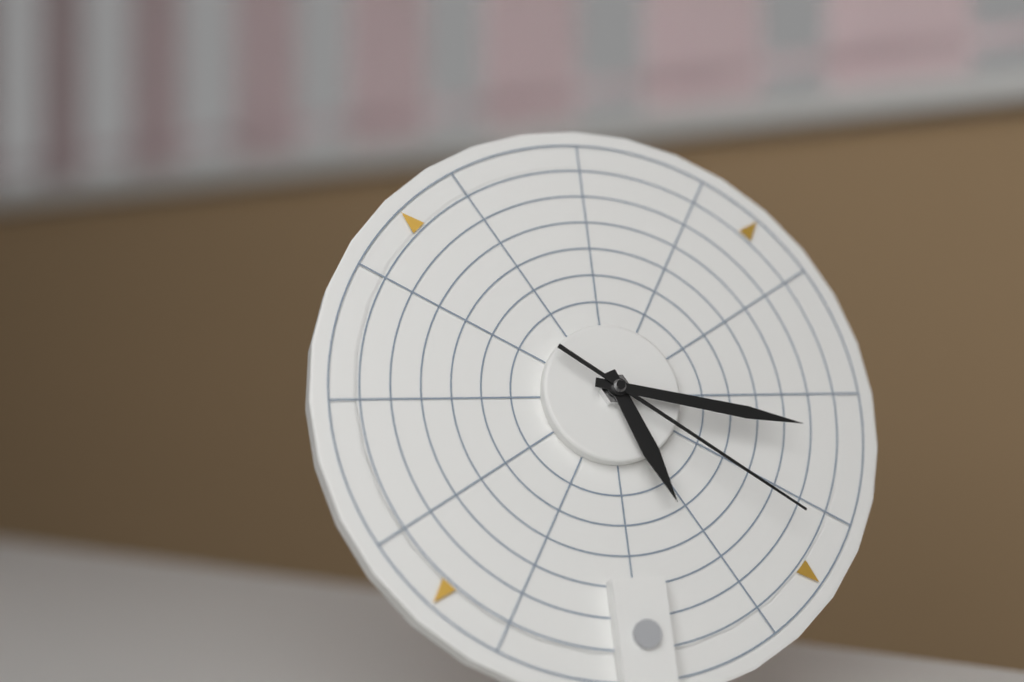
h=5 m=17 s=21
